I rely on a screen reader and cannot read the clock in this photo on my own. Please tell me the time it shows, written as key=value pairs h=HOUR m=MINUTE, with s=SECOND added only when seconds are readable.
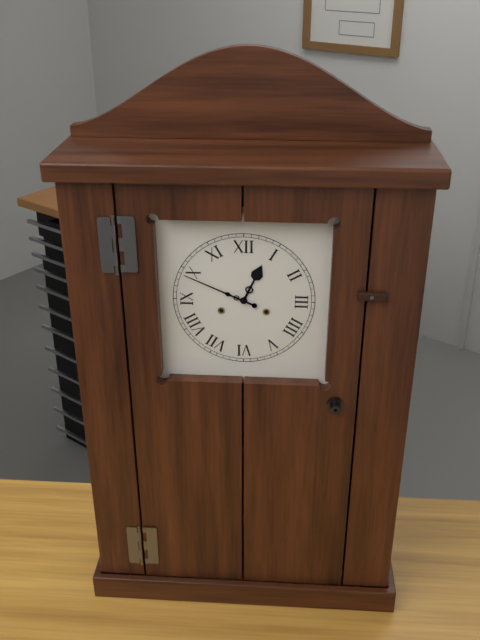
h=12 m=49
